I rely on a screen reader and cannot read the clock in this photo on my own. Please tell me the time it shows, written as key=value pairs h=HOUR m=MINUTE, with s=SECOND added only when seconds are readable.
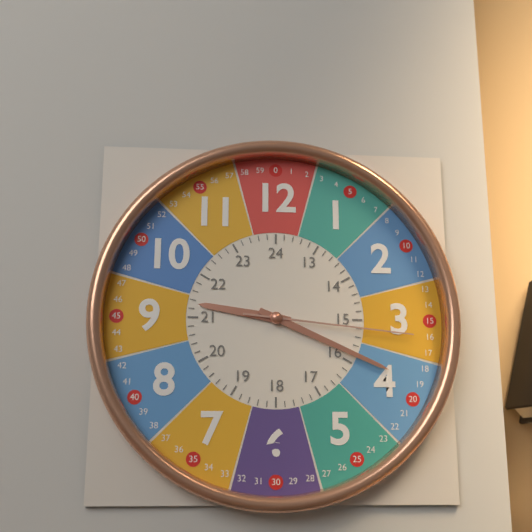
h=9 m=19 s=16
